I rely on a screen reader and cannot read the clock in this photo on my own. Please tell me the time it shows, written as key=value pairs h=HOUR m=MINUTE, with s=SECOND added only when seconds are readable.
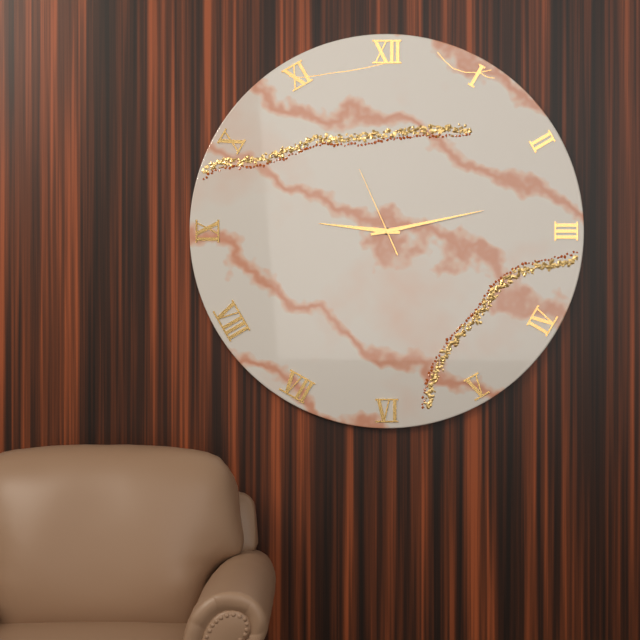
h=9 m=13 s=56
